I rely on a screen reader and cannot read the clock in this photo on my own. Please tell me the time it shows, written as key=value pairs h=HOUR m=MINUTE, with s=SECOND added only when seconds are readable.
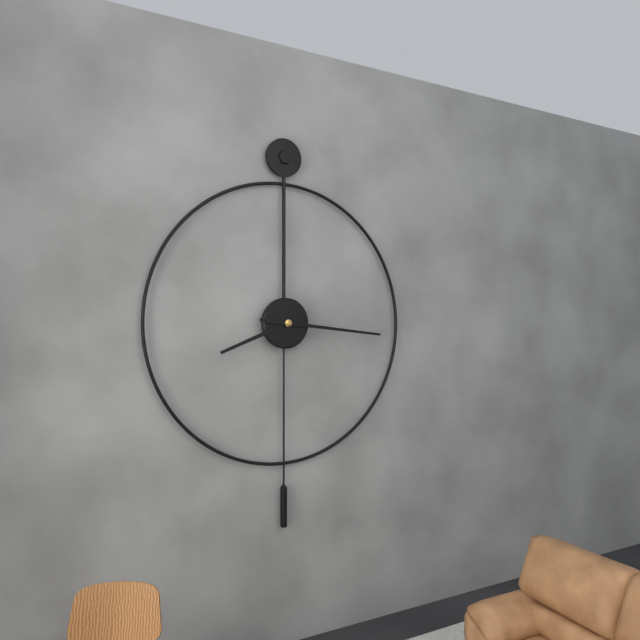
h=8 m=16
